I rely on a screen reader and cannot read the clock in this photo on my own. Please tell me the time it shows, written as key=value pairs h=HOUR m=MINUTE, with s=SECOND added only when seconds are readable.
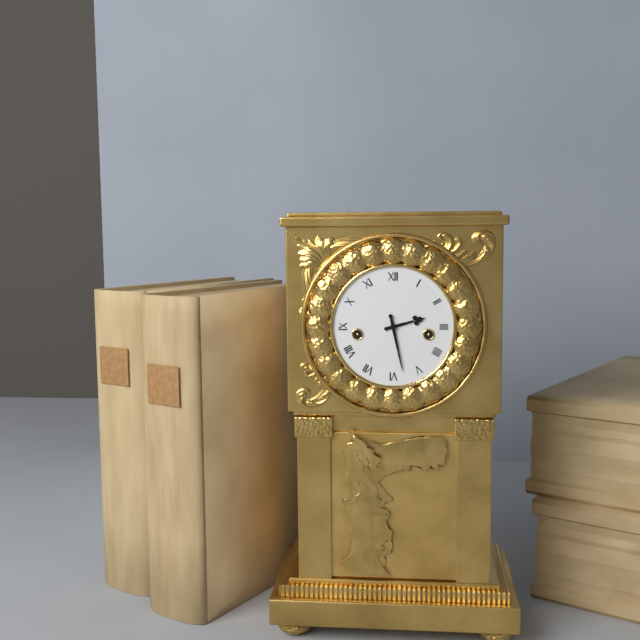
h=2 m=28
